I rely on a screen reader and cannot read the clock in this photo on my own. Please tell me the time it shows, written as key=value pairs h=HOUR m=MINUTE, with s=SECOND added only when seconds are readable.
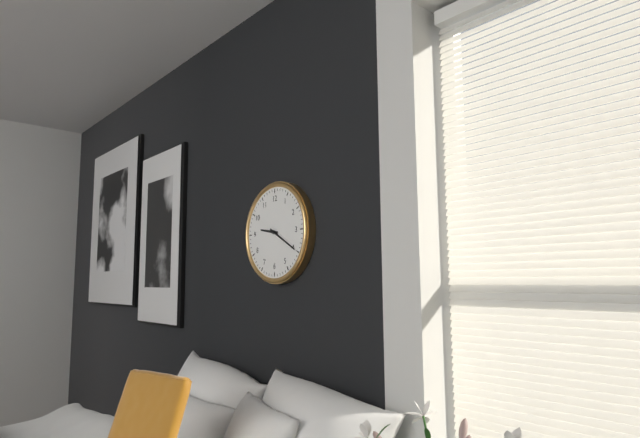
h=9 m=20
